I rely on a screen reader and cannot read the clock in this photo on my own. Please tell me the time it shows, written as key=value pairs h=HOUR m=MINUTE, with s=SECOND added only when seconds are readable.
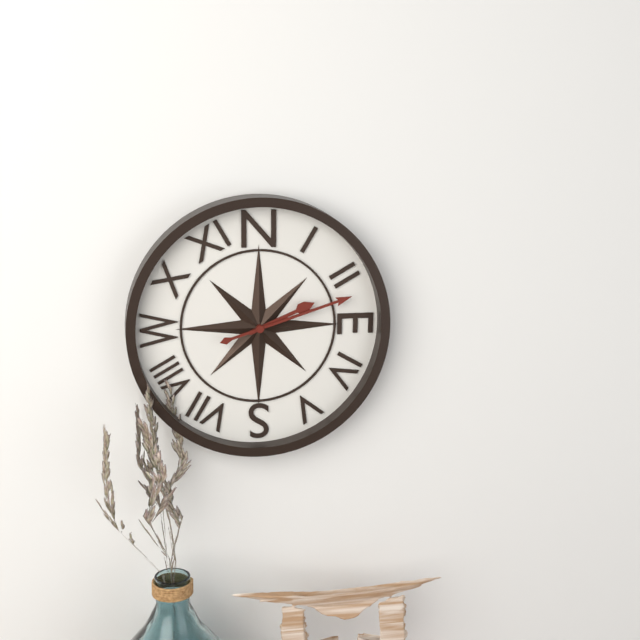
h=2 m=12
